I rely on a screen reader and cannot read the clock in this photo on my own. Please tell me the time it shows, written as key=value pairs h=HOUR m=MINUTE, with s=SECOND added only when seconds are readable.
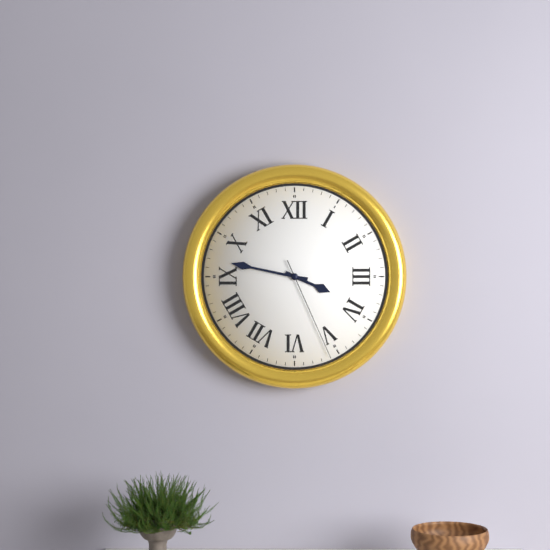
h=3 m=47 s=26
